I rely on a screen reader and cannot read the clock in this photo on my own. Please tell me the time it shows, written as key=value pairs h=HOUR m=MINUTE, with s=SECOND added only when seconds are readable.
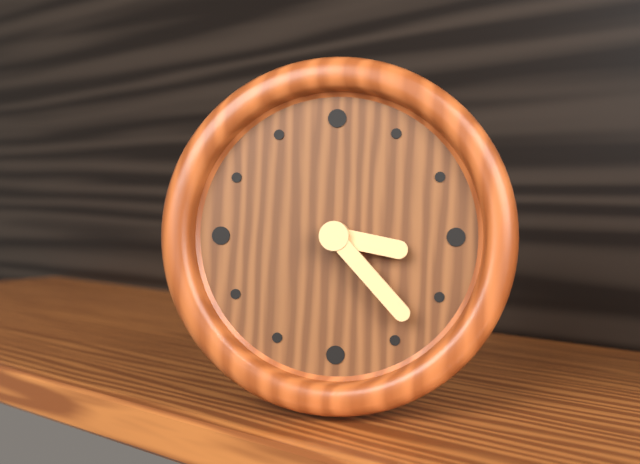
h=3 m=23
